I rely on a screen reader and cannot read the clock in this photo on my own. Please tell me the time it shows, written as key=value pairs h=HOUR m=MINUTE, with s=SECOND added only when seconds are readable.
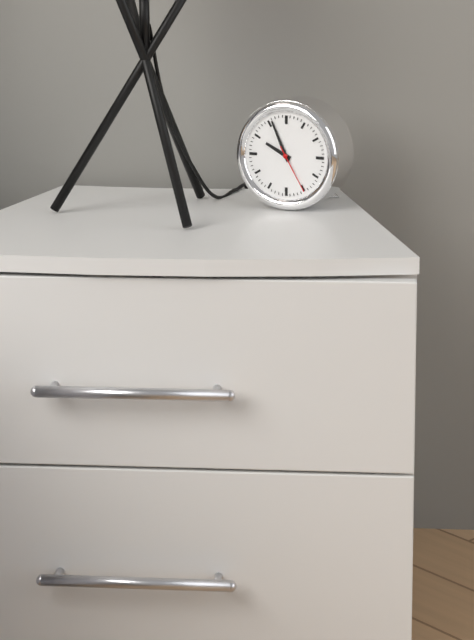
h=9 m=56 s=25
